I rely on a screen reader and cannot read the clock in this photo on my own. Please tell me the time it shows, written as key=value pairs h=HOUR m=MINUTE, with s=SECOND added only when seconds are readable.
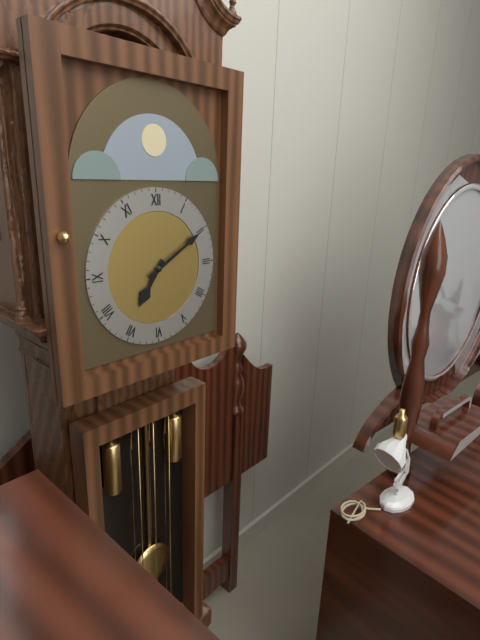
h=7 m=10
